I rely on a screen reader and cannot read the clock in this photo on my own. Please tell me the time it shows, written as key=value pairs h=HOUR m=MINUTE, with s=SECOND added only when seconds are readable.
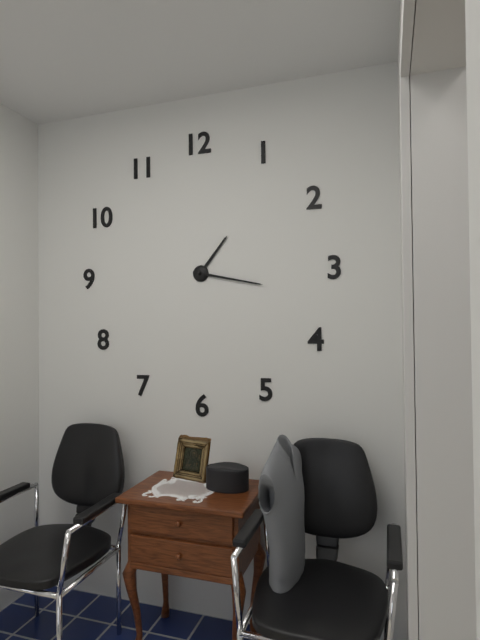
h=1 m=17
